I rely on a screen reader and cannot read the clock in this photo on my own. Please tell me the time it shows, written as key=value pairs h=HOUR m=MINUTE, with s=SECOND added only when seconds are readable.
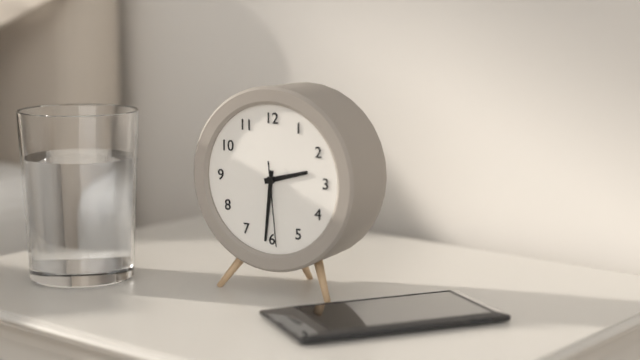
h=2 m=31 s=29
